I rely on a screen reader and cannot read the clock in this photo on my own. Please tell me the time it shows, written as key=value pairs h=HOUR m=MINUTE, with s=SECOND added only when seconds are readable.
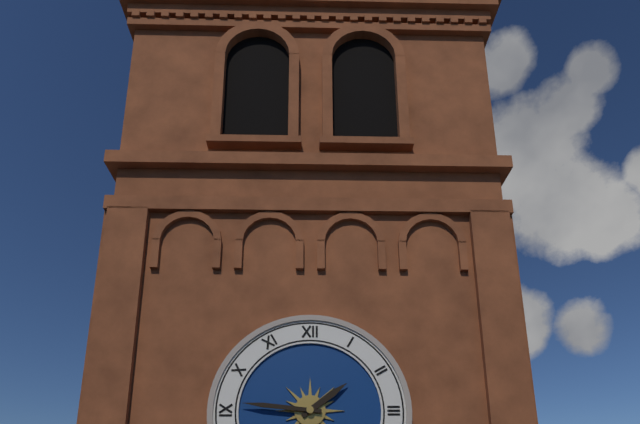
h=1 m=46
